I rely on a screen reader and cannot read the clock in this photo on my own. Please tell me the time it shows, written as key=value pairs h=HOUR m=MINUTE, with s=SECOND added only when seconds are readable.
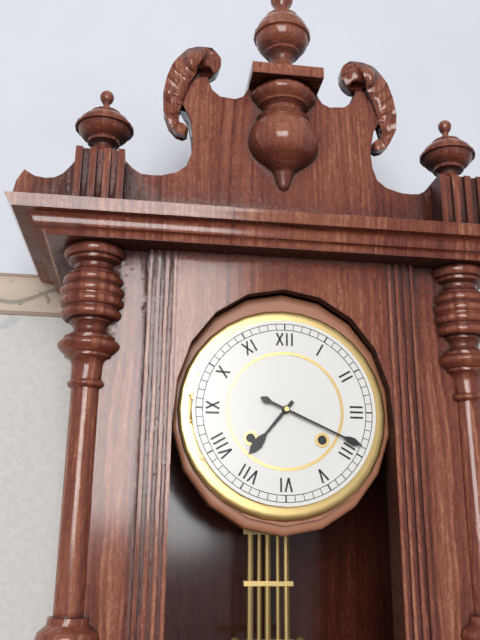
h=7 m=19
